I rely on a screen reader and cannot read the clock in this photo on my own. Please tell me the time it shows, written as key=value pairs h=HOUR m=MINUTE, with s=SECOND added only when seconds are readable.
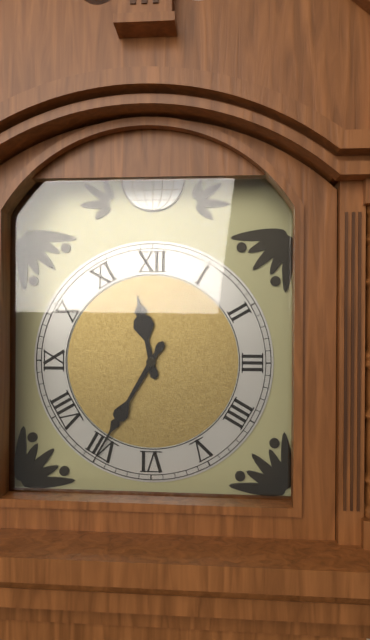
h=11 m=35
